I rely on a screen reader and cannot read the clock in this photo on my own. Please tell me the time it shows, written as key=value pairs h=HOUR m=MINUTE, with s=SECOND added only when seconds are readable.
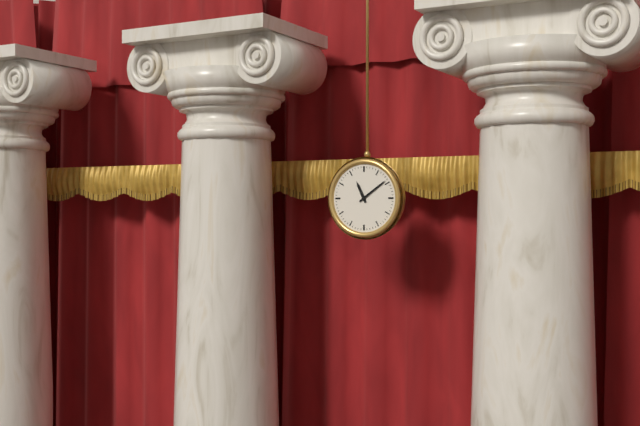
h=11 m=9
